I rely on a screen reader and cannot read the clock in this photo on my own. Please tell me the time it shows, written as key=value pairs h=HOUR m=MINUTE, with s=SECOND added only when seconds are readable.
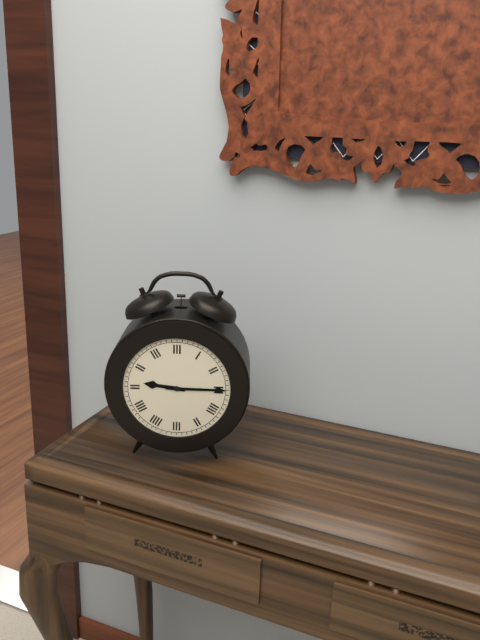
h=9 m=15
